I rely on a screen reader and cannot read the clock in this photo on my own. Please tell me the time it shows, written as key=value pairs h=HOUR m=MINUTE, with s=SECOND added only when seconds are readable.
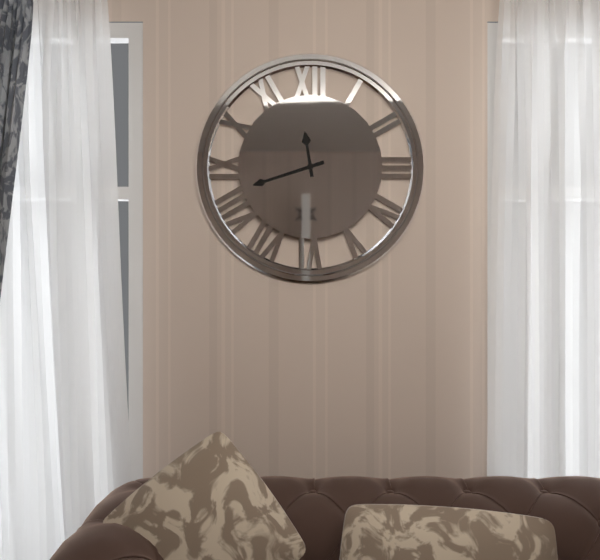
h=11 m=42
